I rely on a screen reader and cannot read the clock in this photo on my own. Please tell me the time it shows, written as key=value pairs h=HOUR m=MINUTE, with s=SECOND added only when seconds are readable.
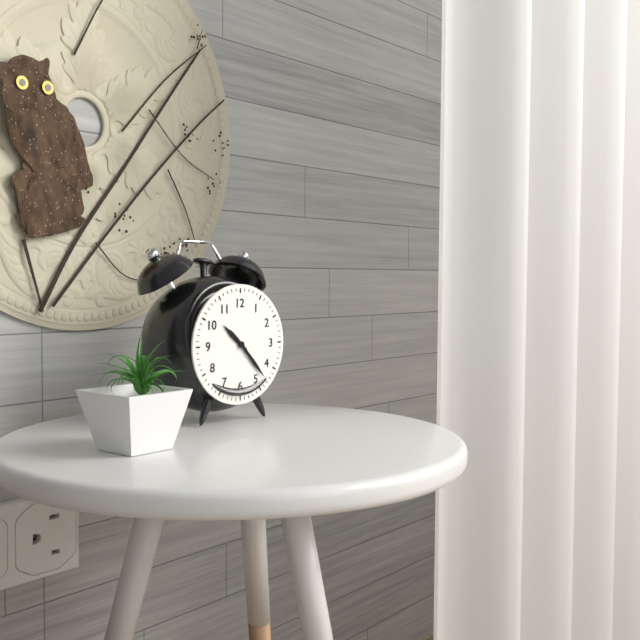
h=10 m=23
